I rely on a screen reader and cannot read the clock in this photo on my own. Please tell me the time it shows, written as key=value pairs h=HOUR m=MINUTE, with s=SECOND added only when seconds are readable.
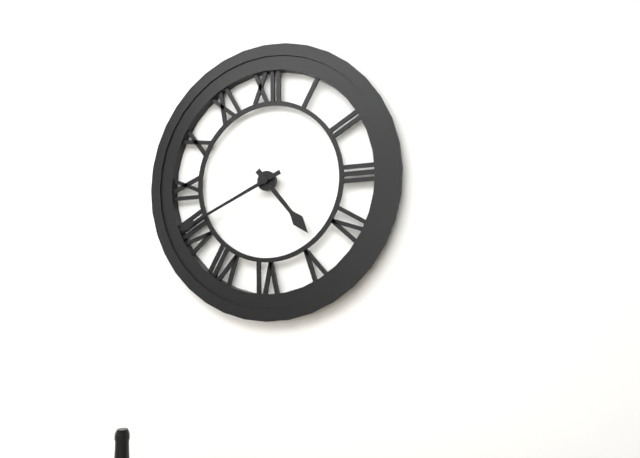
h=4 m=41
